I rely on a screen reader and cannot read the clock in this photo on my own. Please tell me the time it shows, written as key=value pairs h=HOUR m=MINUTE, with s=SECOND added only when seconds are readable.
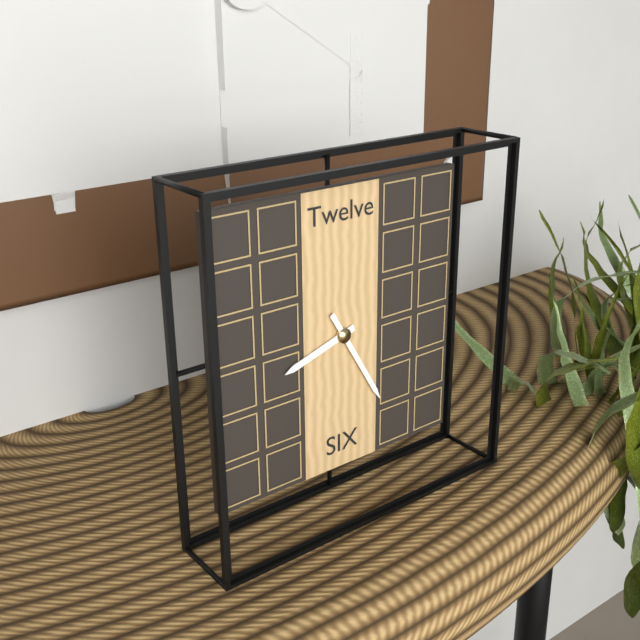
h=8 m=25
